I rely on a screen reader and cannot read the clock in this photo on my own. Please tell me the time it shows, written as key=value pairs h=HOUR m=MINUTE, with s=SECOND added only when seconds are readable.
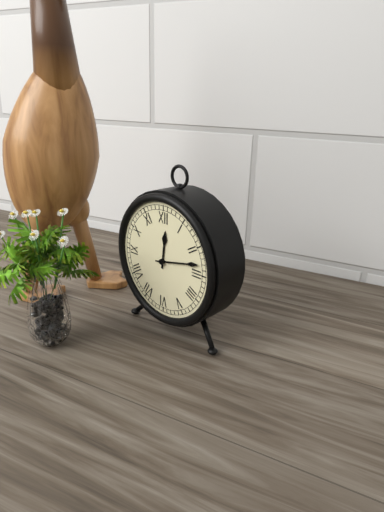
h=12 m=13
